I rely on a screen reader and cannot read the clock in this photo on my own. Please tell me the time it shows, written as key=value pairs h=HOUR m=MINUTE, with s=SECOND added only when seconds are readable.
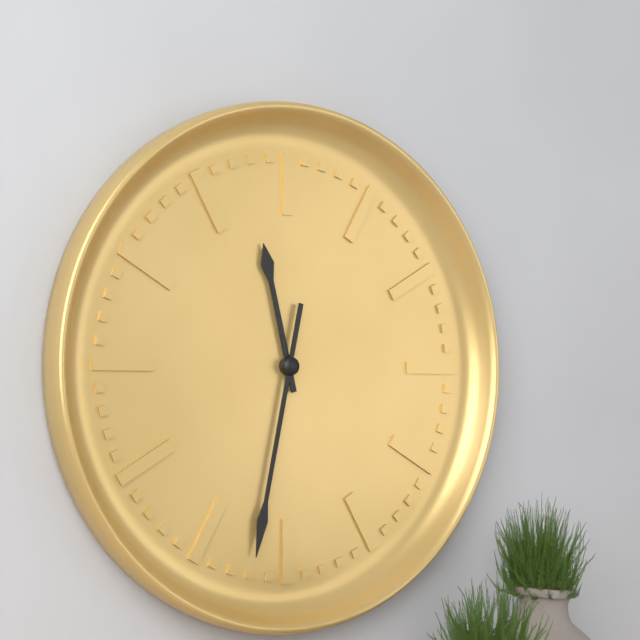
h=11 m=32
